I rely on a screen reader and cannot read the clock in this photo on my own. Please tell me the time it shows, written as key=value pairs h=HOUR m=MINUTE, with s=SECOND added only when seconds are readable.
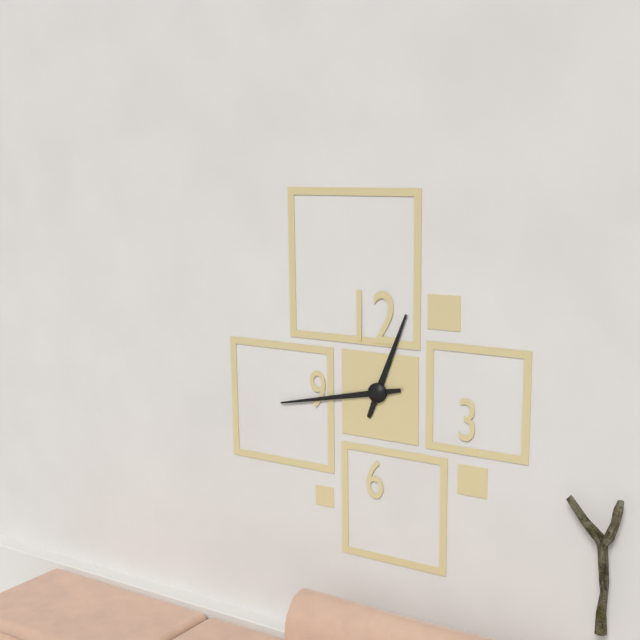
h=12 m=43
